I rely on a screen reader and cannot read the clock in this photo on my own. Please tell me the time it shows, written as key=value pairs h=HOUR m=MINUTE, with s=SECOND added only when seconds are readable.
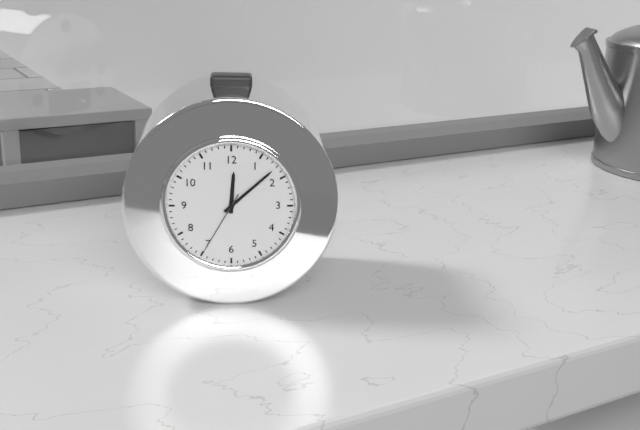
h=12 m=8 s=35
